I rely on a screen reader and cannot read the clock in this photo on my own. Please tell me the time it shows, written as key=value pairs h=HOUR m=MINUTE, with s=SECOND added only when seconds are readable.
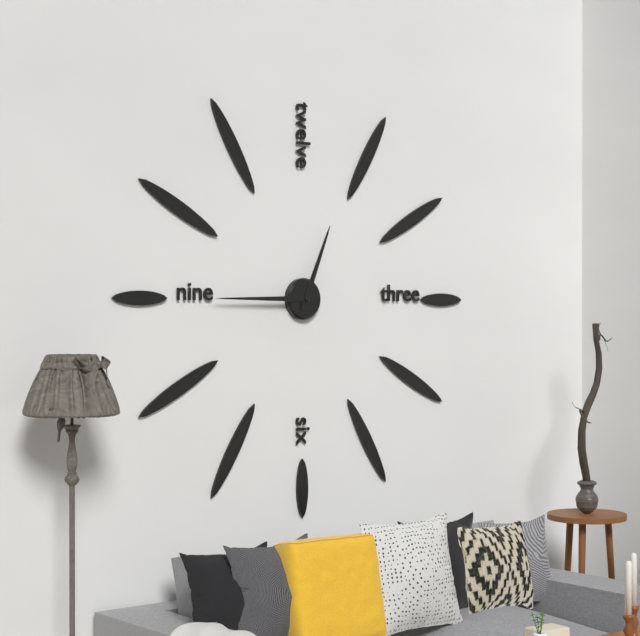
h=12 m=45
